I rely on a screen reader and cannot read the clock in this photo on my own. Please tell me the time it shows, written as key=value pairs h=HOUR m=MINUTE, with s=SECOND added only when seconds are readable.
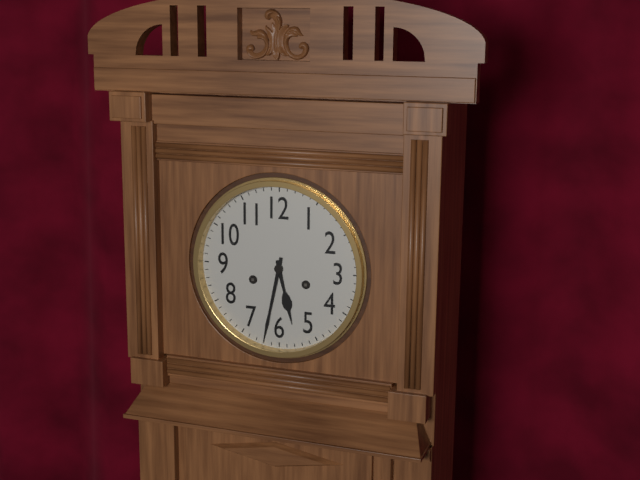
h=5 m=32
